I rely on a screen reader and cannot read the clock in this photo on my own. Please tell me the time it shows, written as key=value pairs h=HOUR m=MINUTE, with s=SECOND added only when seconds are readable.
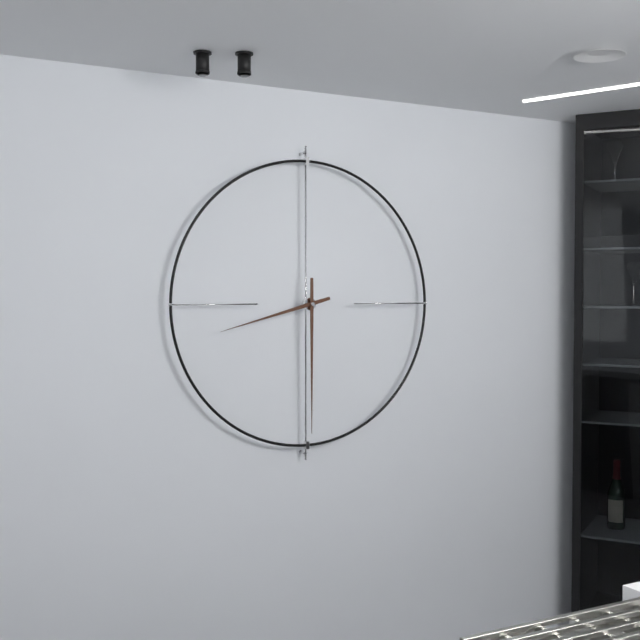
h=8 m=30
